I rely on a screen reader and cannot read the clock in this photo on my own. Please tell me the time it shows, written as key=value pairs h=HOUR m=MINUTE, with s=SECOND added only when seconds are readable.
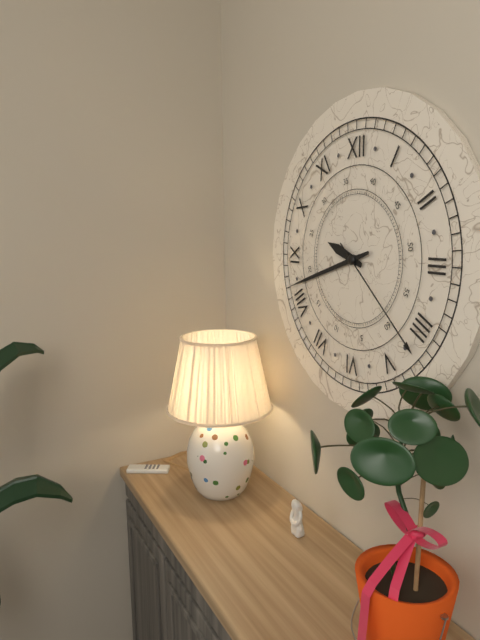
h=9 m=42 s=22
